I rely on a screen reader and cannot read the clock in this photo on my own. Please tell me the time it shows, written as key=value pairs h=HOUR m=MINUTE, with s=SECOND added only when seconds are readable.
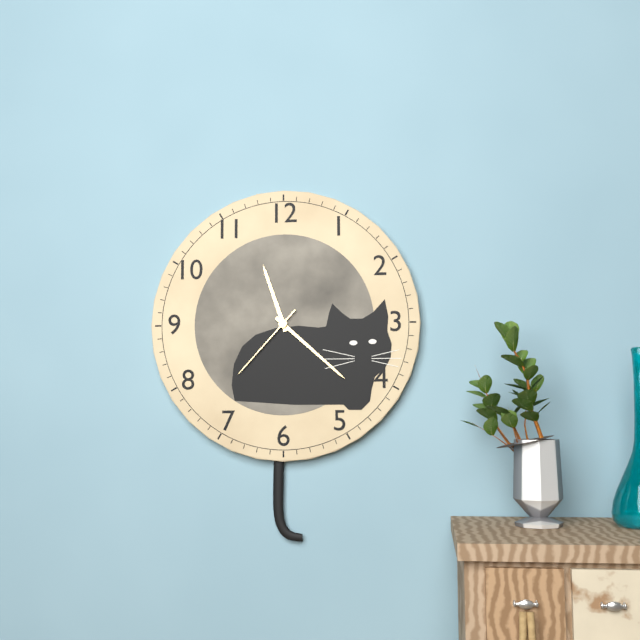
h=11 m=22 s=37
